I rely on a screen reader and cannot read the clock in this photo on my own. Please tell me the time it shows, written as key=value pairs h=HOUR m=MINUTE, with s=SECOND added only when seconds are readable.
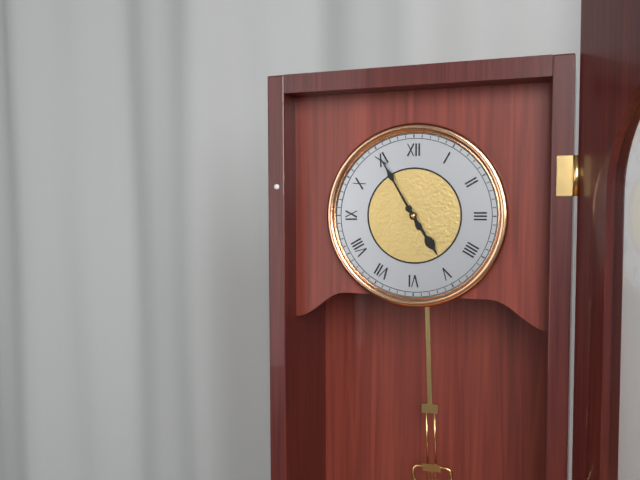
h=4 m=55
